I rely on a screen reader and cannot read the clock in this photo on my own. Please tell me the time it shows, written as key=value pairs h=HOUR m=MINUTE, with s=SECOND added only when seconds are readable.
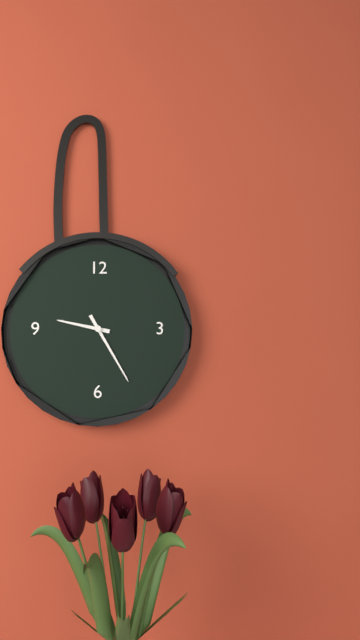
h=9 m=25
